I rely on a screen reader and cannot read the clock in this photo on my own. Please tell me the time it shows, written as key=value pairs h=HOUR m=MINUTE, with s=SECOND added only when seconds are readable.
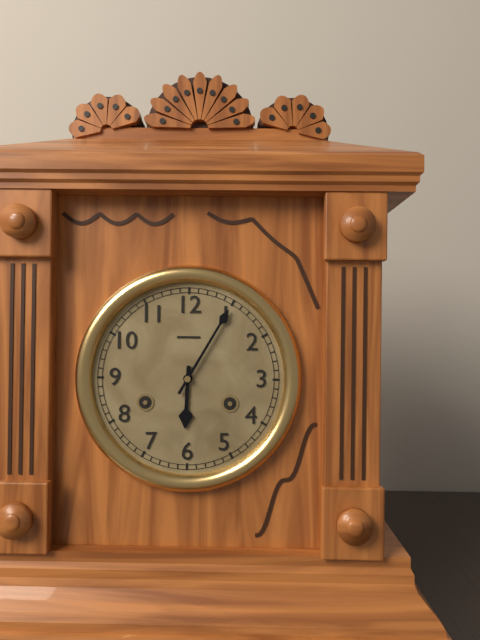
h=6 m=5
